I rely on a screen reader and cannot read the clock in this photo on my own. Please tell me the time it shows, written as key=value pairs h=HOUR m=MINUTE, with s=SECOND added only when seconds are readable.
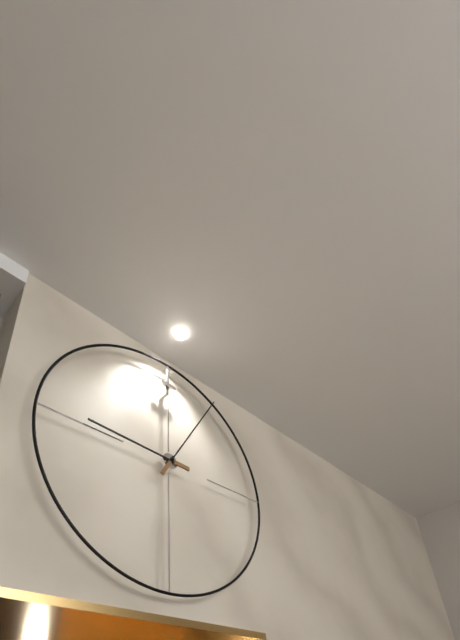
h=9 m=5
